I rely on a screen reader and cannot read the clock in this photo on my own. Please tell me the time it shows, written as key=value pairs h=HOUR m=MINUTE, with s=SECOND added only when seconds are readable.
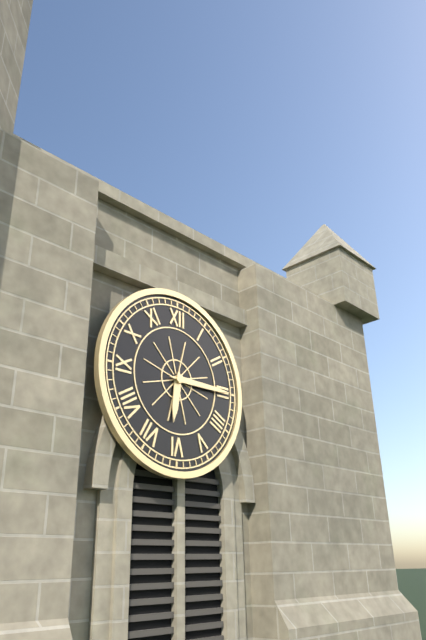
h=6 m=15
